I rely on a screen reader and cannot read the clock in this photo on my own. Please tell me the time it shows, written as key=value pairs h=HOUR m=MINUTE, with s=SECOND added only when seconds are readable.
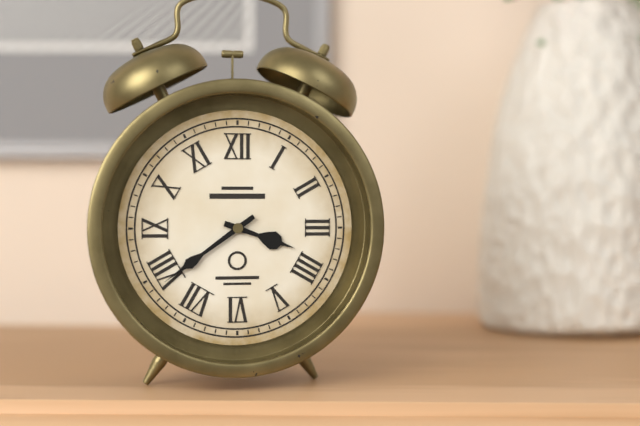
h=3 m=39
